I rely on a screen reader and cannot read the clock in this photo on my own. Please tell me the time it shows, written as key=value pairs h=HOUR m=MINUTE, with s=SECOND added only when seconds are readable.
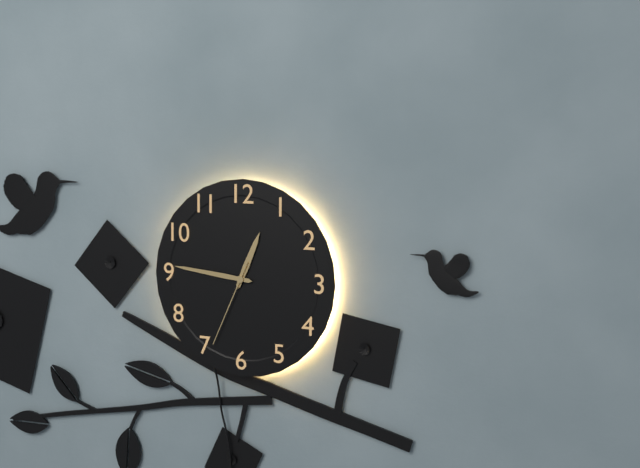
h=12 m=46 s=34
